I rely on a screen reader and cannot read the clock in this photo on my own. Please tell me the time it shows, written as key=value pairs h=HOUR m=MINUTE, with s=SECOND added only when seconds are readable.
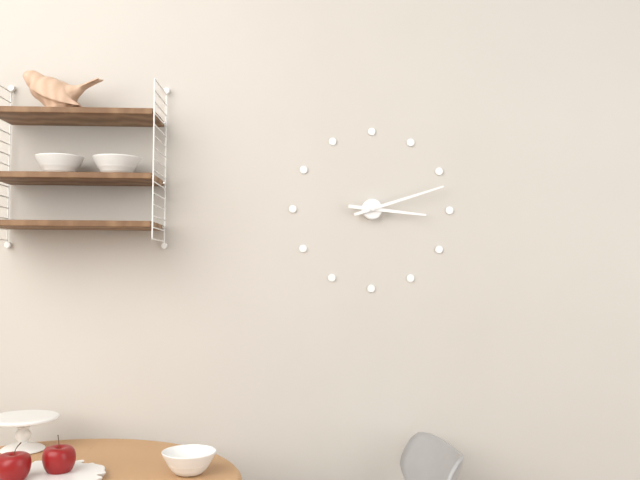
h=3 m=12
